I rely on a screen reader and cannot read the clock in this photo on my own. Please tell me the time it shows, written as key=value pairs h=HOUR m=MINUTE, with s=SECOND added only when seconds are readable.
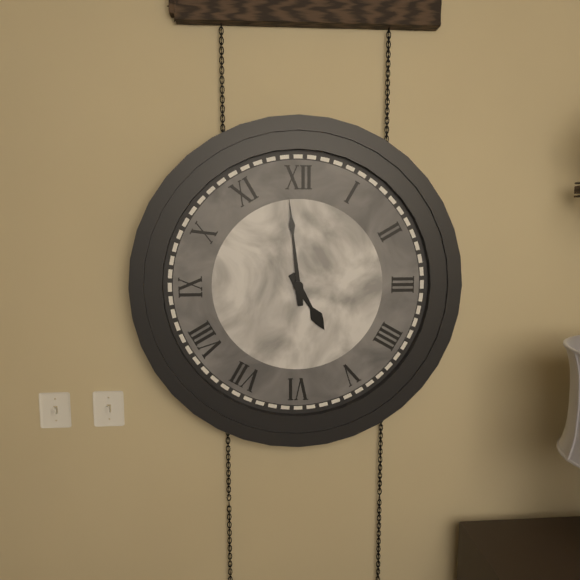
h=4 m=59
